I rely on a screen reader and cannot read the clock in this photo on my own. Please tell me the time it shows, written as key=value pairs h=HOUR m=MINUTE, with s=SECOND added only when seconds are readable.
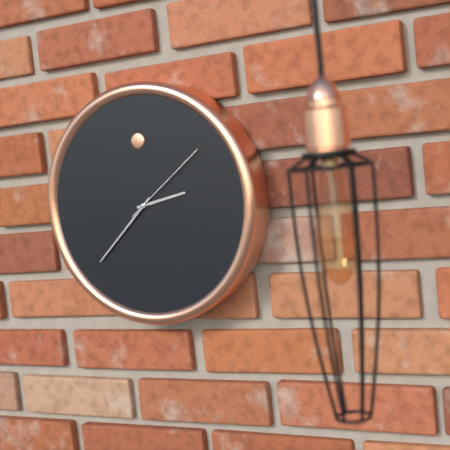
h=2 m=38 s=9
